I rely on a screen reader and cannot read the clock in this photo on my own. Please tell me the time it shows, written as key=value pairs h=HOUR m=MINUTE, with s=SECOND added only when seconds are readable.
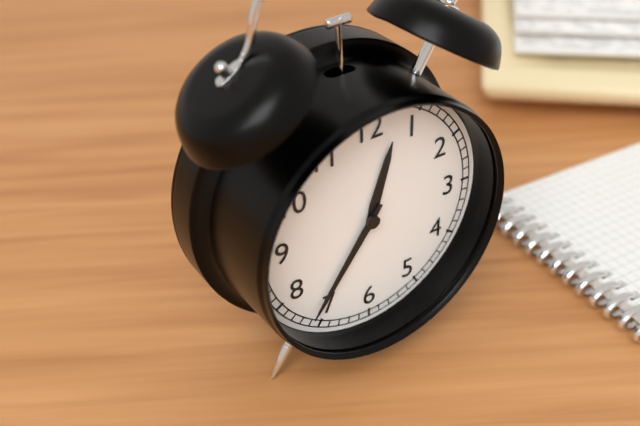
h=12 m=36
